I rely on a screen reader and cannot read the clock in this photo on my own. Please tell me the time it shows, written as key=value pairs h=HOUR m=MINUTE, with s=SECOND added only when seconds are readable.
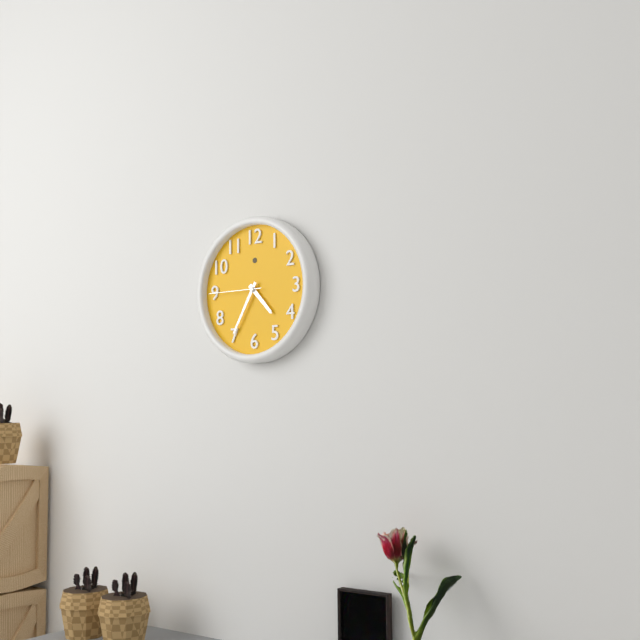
h=4 m=35 s=45
